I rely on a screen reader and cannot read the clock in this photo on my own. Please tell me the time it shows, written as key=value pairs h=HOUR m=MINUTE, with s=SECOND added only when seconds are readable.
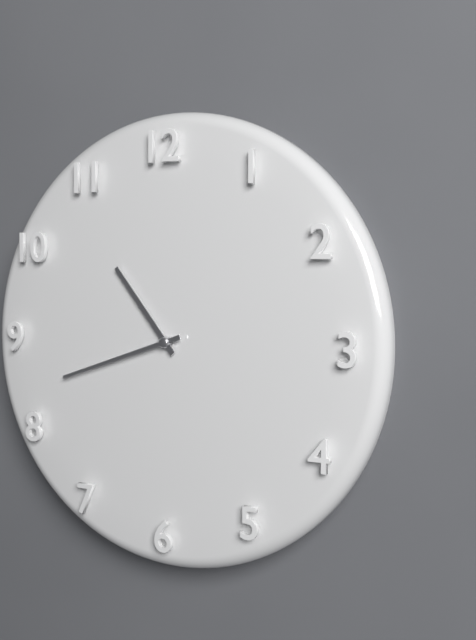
h=10 m=42
